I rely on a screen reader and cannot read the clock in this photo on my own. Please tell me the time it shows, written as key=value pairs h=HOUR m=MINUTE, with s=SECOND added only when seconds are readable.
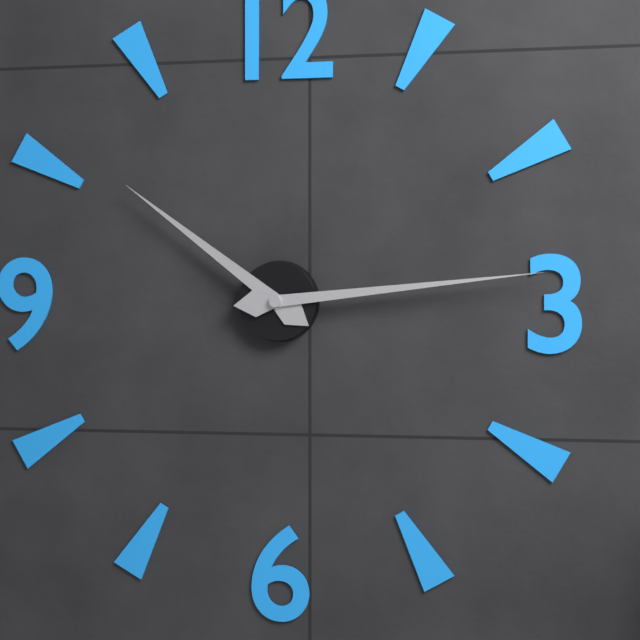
h=10 m=14
